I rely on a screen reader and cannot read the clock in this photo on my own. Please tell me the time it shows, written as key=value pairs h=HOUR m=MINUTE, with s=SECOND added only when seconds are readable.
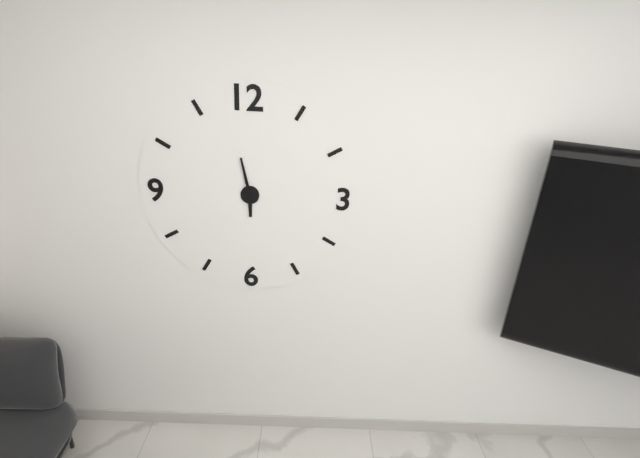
h=5 m=58
